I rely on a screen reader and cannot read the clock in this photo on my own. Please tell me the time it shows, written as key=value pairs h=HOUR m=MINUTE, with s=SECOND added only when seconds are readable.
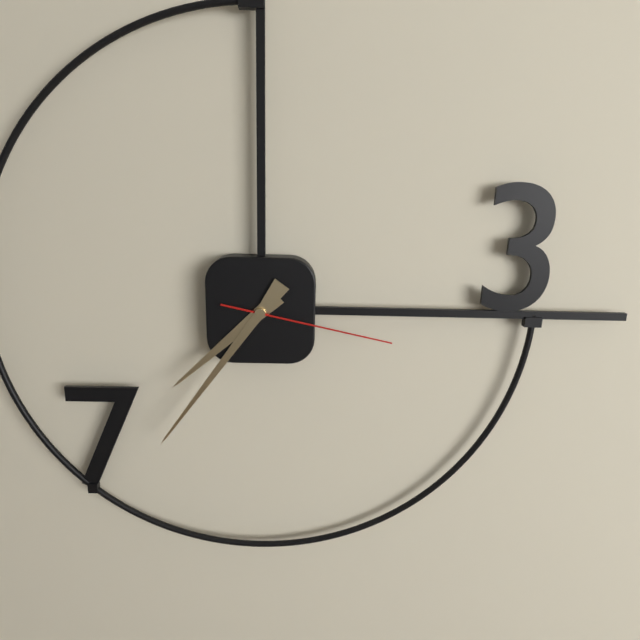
h=7 m=36 s=17
